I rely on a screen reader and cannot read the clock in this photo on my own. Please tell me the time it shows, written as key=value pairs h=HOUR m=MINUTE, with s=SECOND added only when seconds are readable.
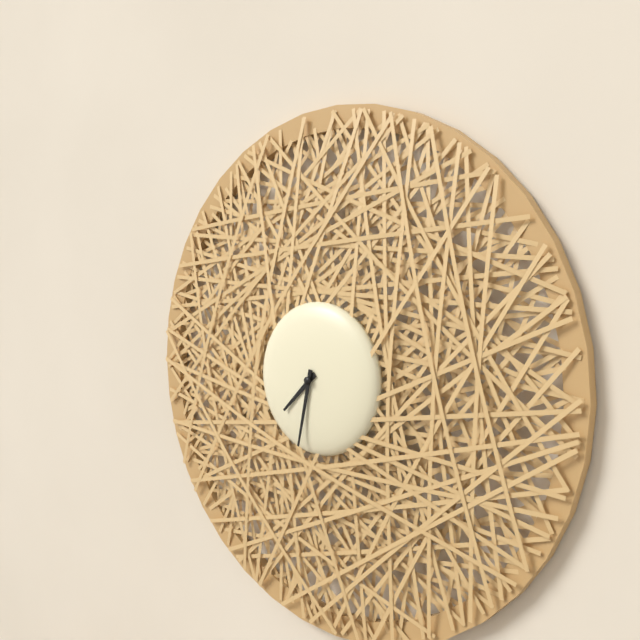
h=7 m=32
